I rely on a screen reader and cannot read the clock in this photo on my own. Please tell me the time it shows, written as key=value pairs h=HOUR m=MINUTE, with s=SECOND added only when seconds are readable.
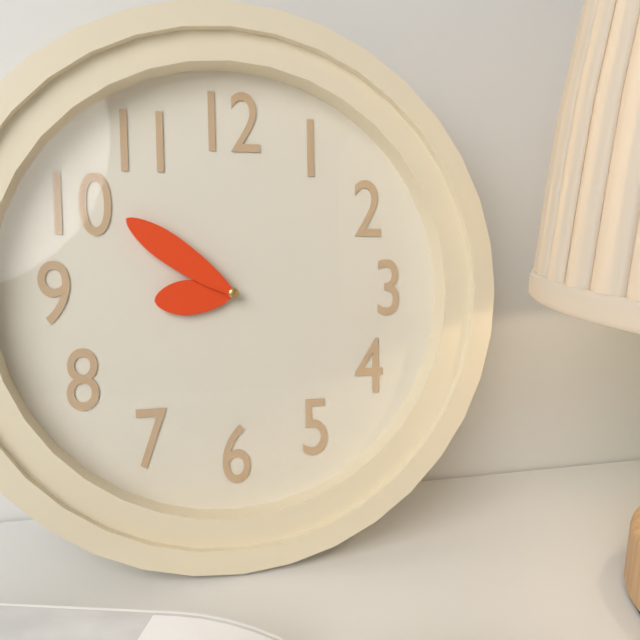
h=8 m=51
